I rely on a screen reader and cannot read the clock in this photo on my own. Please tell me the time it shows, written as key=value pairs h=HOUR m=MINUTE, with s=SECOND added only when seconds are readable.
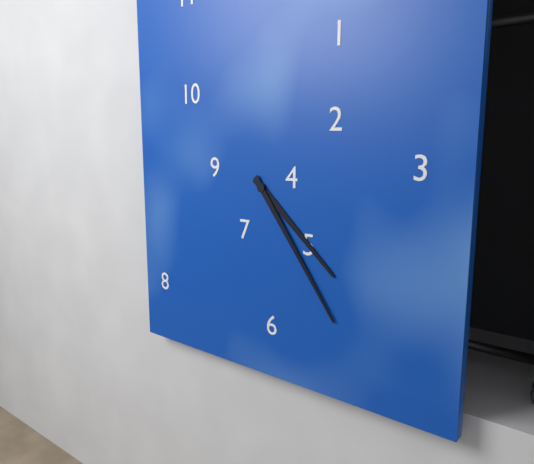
h=4 m=24
